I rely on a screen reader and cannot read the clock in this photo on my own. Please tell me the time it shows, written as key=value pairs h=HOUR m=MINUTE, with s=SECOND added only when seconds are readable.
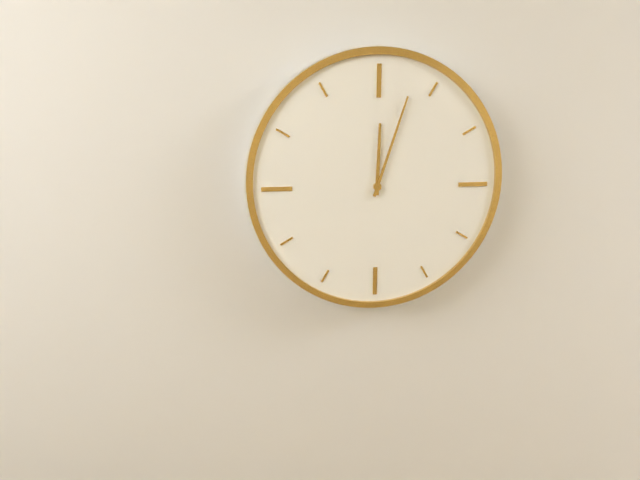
h=12 m=3
